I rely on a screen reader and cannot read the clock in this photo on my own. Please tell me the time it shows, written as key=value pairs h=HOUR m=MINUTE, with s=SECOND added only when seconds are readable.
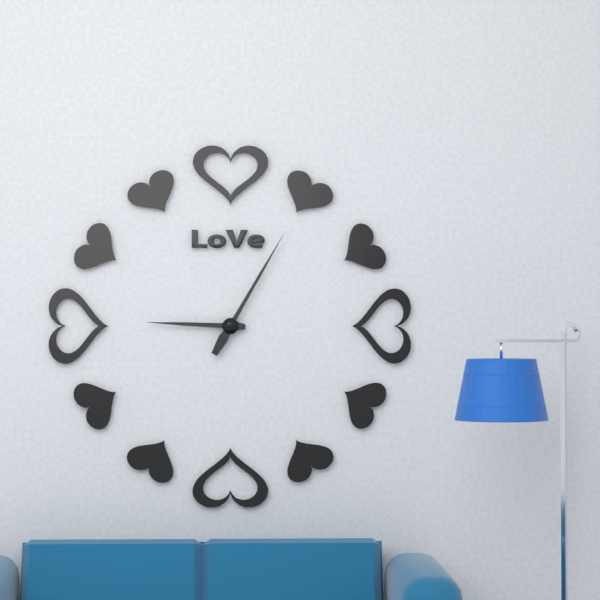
h=9 m=5
